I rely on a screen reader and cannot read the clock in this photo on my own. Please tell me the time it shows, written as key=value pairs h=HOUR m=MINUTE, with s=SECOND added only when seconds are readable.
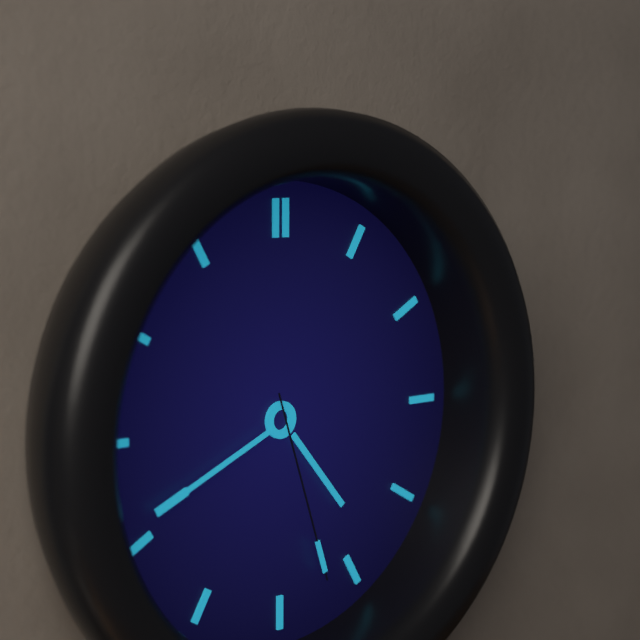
h=4 m=41 s=27
